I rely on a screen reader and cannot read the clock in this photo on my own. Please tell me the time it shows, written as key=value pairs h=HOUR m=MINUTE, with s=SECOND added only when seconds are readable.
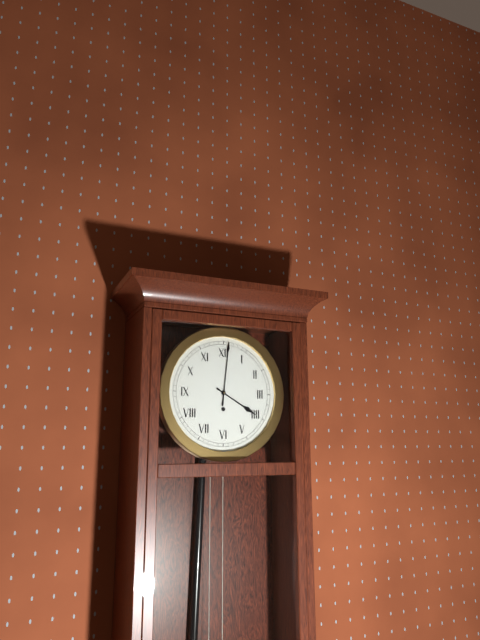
h=4 m=1
